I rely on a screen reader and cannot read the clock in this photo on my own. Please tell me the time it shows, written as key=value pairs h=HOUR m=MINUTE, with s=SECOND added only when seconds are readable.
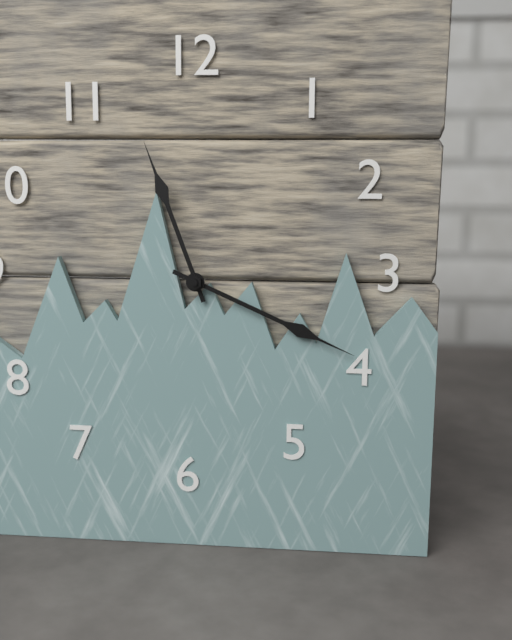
h=11 m=19
